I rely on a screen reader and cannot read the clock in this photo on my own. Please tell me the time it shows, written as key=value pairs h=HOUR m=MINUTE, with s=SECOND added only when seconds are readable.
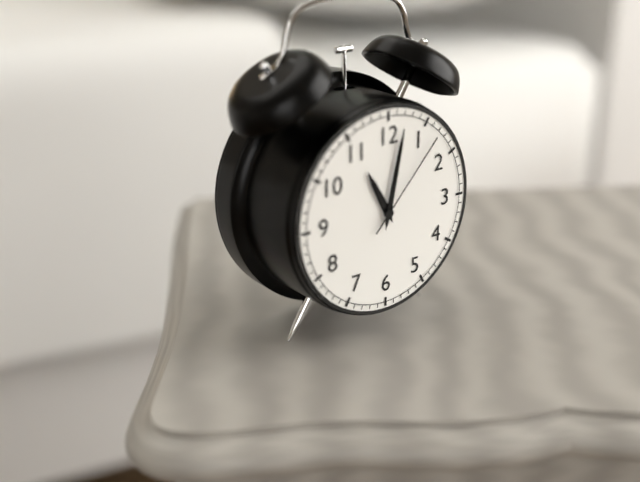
h=11 m=2 s=7
